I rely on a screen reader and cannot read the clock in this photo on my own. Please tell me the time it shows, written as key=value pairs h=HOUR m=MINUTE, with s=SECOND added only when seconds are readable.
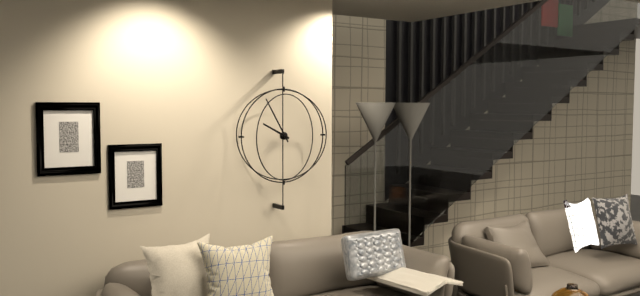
h=9 m=55
